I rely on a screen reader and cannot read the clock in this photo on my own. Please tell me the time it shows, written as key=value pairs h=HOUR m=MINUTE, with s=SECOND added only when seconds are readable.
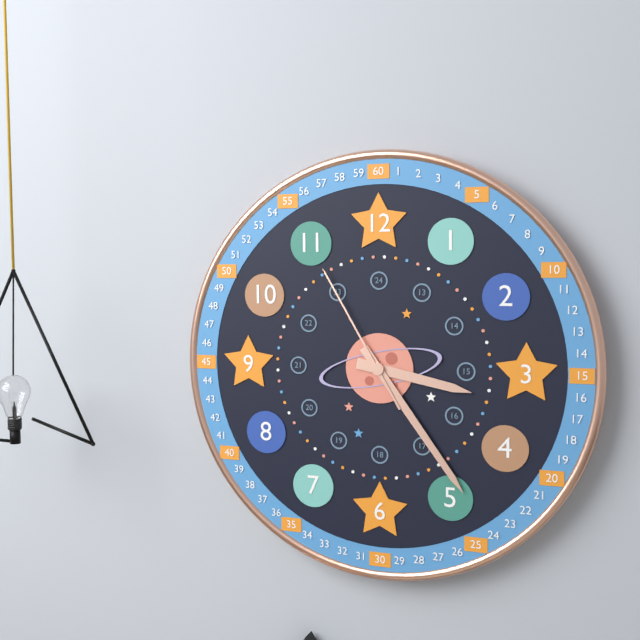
h=3 m=24 s=55
